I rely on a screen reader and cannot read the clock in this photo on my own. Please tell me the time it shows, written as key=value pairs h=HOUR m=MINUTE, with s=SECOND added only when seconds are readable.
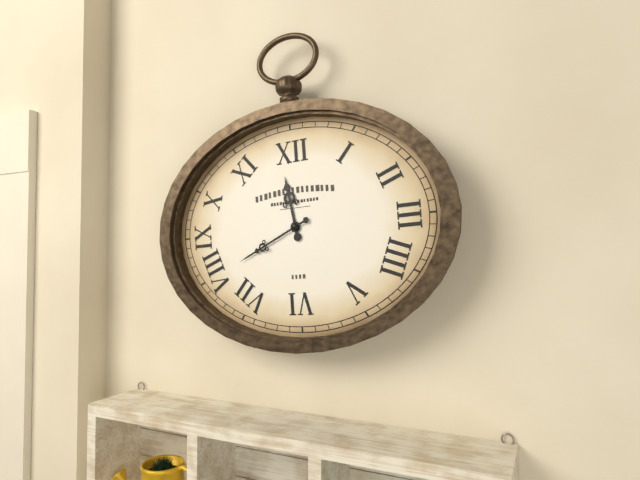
h=11 m=41
